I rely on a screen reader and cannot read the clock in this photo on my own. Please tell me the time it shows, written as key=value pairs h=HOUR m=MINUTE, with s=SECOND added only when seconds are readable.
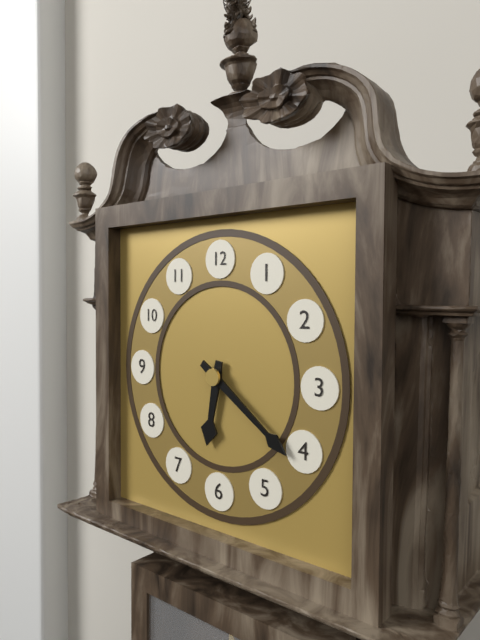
h=6 m=21
